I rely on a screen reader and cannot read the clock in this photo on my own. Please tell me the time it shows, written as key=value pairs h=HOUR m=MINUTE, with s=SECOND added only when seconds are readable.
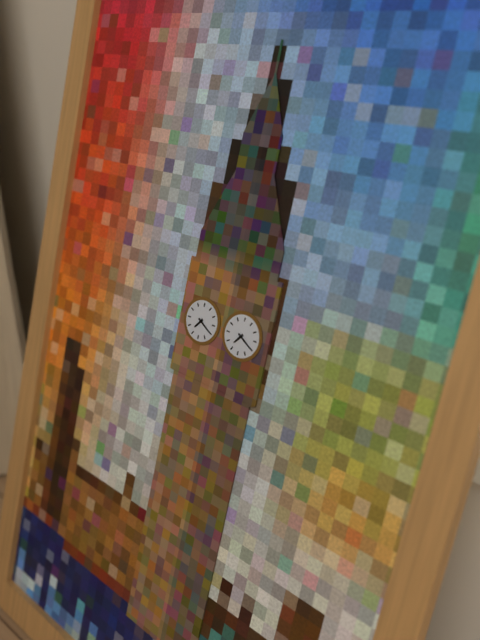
h=7 m=20
